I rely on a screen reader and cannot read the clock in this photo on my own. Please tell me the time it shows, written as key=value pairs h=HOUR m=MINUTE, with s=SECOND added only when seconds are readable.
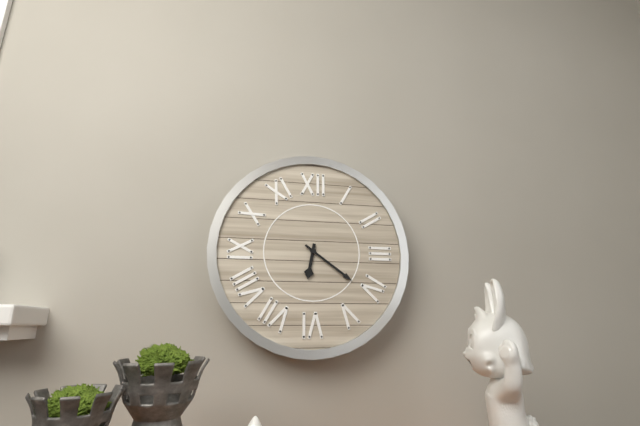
h=6 m=21
